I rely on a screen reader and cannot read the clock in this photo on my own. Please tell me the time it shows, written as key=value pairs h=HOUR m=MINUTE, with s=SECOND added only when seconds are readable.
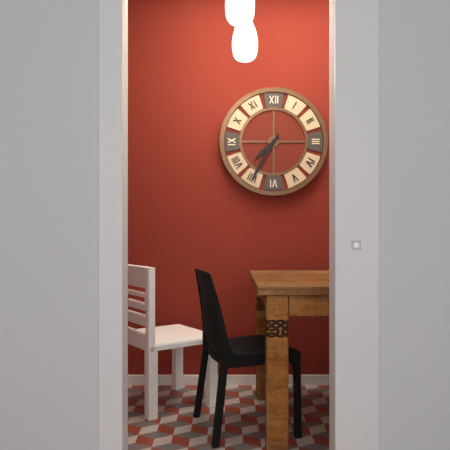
h=7 m=35
